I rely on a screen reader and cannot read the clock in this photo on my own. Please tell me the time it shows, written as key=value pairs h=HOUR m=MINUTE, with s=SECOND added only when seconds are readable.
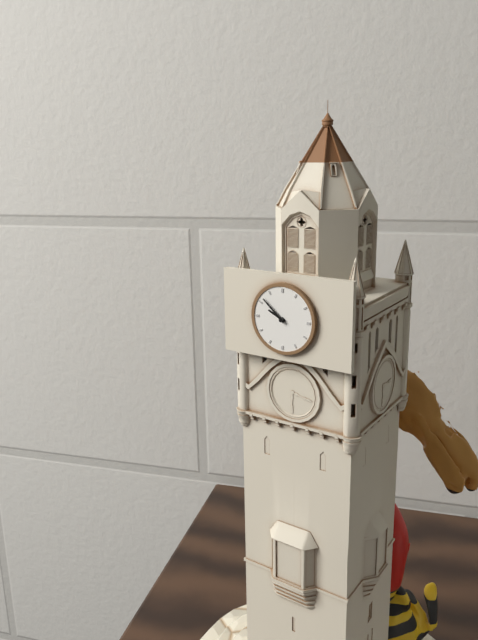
h=9 m=52
